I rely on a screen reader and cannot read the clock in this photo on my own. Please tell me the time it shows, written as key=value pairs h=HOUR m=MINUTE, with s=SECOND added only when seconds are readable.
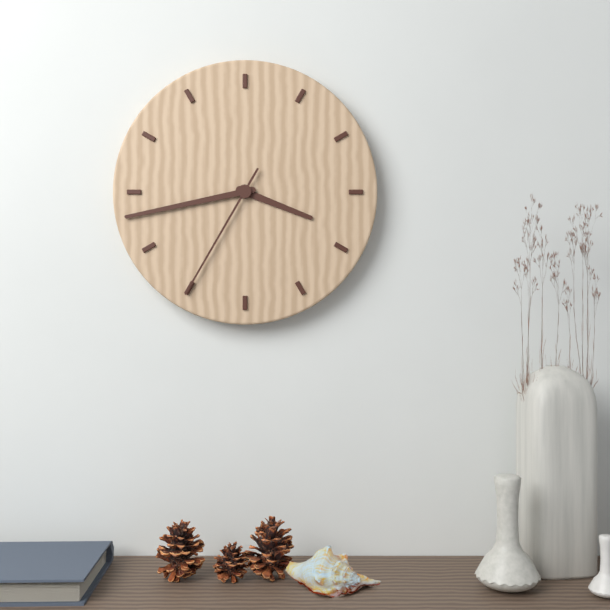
h=3 m=43 s=35
